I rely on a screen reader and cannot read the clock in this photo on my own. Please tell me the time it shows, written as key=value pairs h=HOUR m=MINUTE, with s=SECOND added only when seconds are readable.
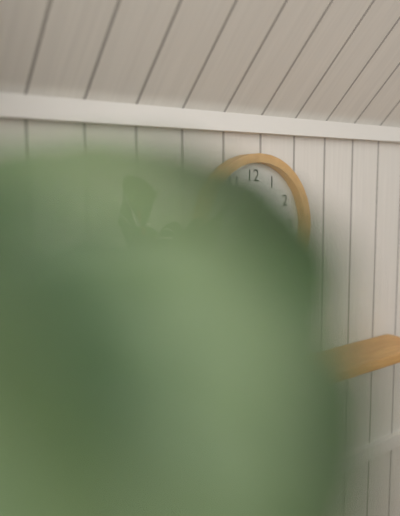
h=12 m=46
